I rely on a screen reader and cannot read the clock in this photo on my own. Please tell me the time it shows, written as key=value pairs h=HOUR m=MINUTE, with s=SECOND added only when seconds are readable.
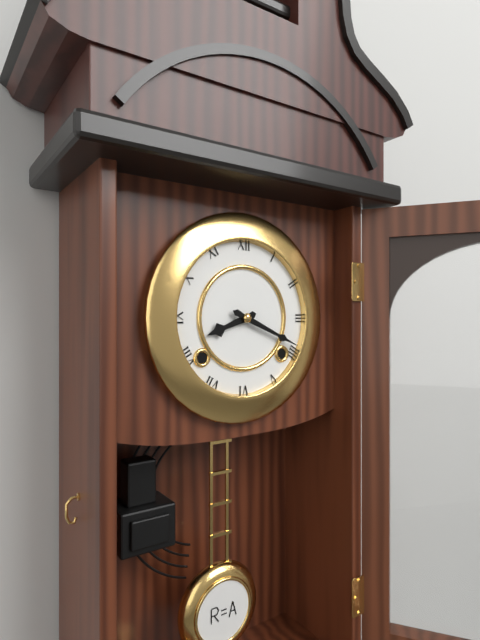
h=8 m=19
